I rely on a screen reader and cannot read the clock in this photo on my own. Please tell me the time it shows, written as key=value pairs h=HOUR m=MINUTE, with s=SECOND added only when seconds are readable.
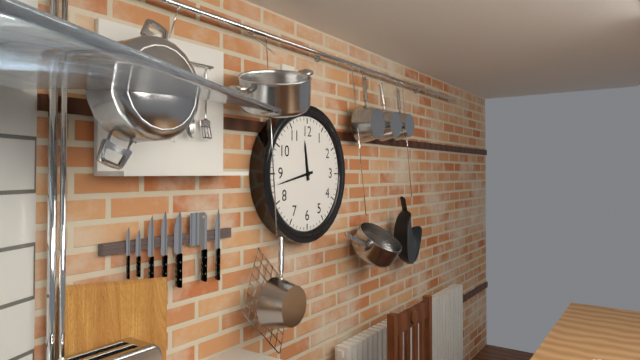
h=11 m=43
